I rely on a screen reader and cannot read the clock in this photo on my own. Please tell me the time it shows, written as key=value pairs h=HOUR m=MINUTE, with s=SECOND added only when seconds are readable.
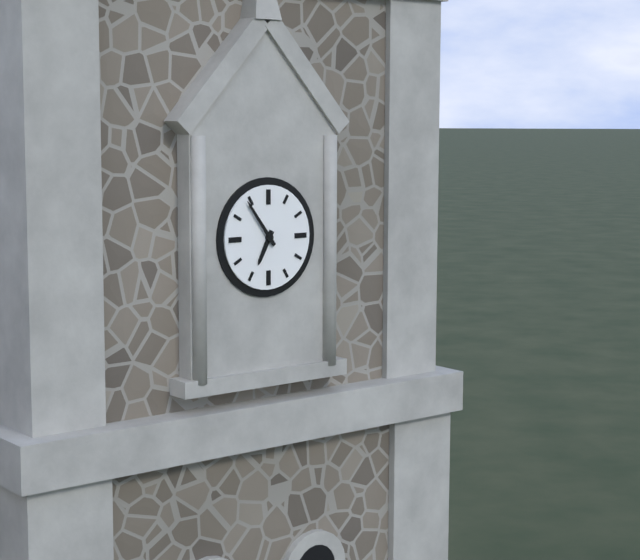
h=6 m=54
